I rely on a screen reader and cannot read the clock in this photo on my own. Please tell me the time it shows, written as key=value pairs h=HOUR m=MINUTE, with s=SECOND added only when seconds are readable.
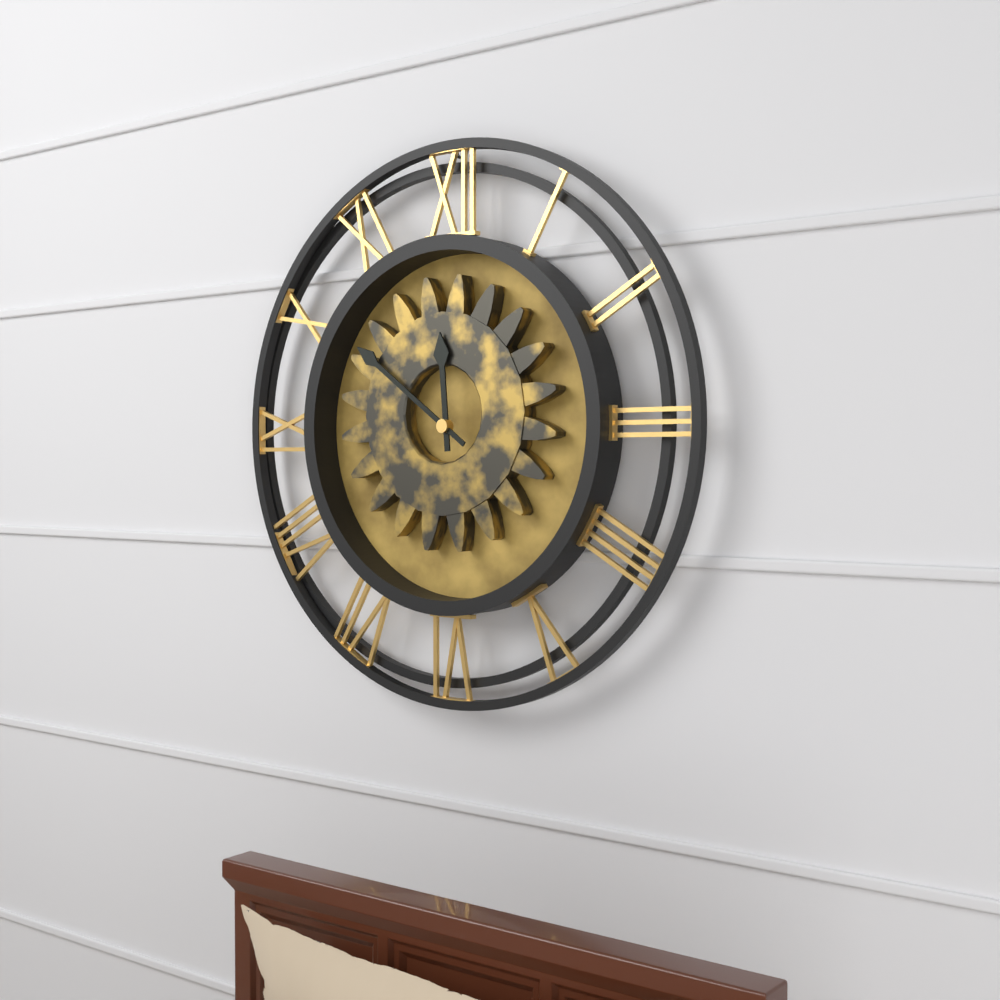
h=11 m=51
